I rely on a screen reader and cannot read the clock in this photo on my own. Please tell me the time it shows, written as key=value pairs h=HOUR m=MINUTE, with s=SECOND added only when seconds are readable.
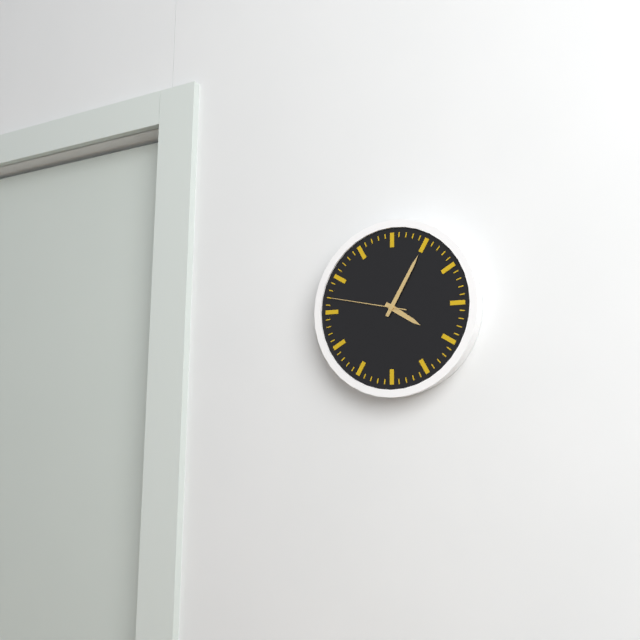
h=4 m=5 s=47
